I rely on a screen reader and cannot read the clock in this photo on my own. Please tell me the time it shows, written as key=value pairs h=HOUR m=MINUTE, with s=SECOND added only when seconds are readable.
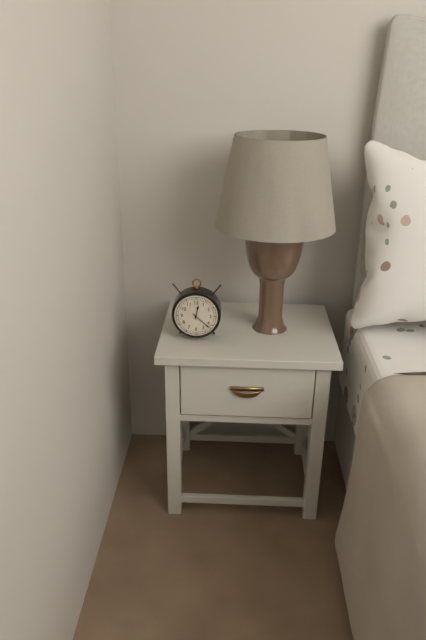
h=12 m=22
